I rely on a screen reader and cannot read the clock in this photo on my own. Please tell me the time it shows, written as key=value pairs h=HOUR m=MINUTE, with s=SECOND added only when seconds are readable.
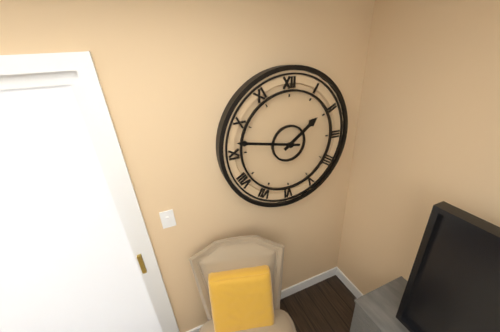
h=1 m=47
